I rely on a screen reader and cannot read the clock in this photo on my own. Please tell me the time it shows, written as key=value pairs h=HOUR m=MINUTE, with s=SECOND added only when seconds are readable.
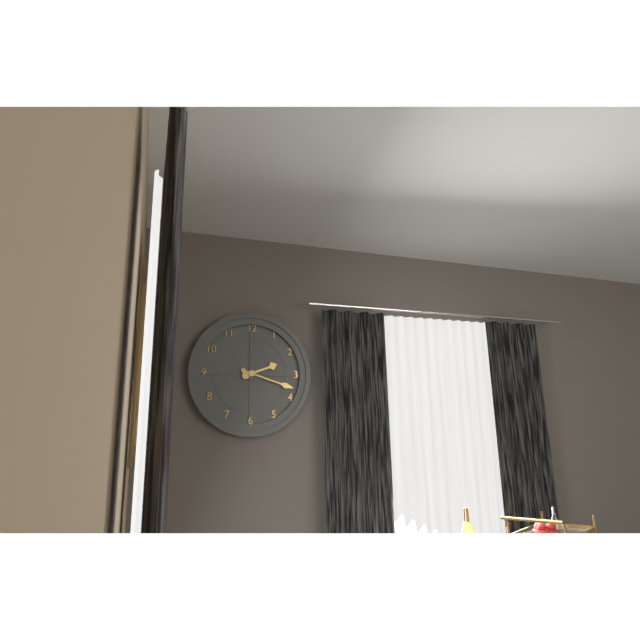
h=2 m=18
